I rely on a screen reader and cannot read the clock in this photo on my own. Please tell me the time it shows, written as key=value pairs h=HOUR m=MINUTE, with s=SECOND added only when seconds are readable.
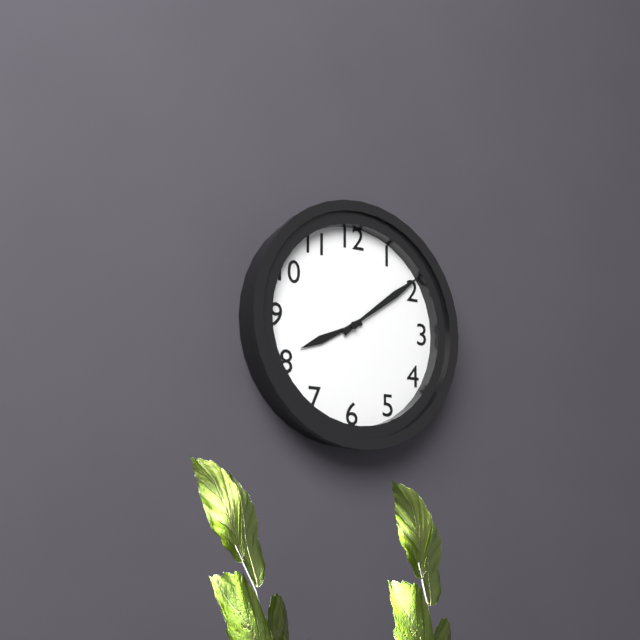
h=8 m=9
